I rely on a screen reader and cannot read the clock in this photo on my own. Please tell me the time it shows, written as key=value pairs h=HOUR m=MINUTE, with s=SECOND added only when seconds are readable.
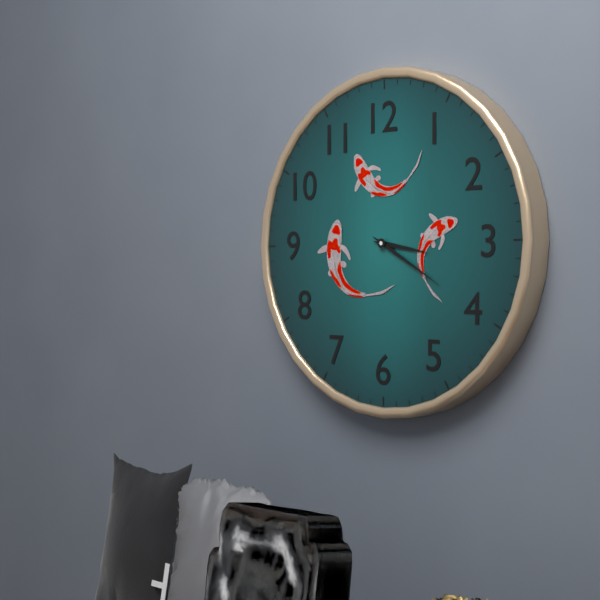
h=3 m=20
